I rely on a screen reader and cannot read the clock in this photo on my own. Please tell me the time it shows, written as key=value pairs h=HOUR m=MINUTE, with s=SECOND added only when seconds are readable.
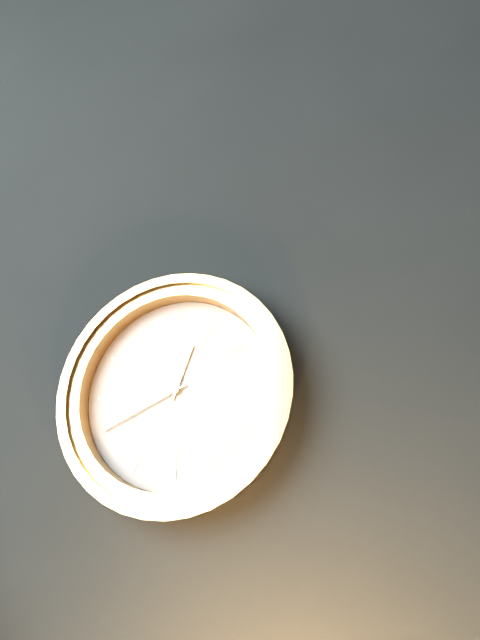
h=12 m=41
